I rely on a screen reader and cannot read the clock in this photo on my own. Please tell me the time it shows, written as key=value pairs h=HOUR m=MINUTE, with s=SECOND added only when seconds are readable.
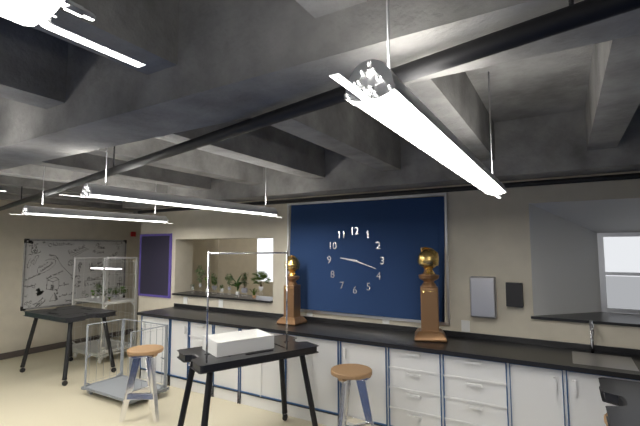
h=9 m=18
